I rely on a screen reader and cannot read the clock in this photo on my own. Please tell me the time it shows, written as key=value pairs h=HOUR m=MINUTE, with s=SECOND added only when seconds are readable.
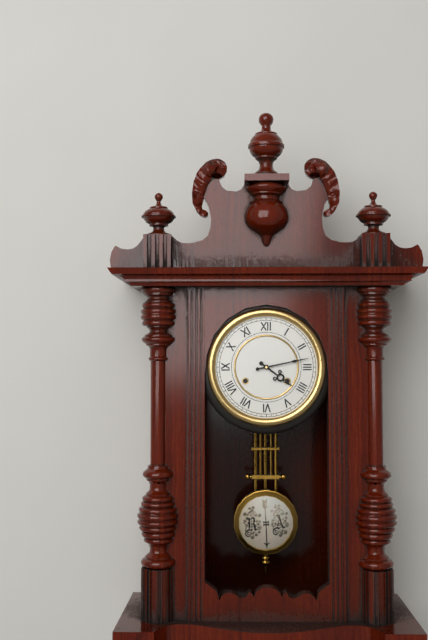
h=4 m=13
